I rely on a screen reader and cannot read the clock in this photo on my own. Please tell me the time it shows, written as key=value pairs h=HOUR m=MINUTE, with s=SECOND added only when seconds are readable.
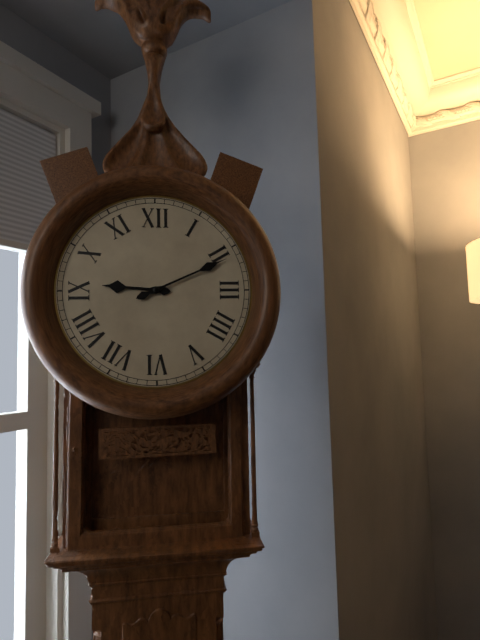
h=9 m=11
